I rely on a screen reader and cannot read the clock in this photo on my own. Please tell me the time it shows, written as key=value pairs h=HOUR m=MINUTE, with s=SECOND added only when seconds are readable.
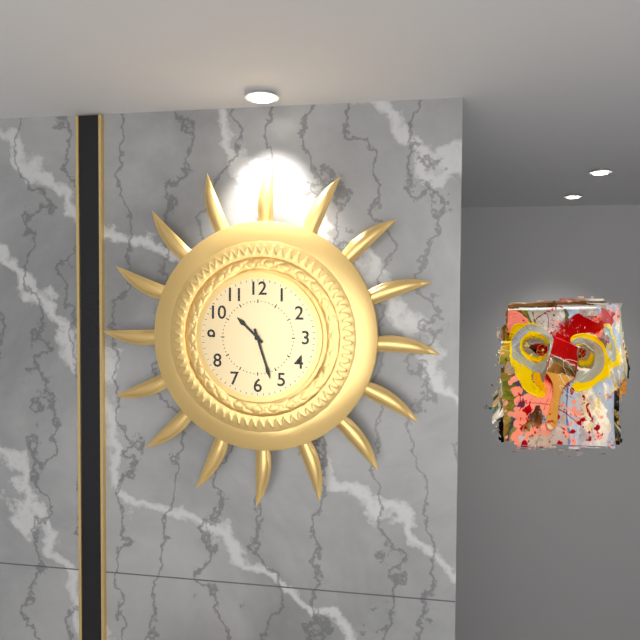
h=10 m=27
